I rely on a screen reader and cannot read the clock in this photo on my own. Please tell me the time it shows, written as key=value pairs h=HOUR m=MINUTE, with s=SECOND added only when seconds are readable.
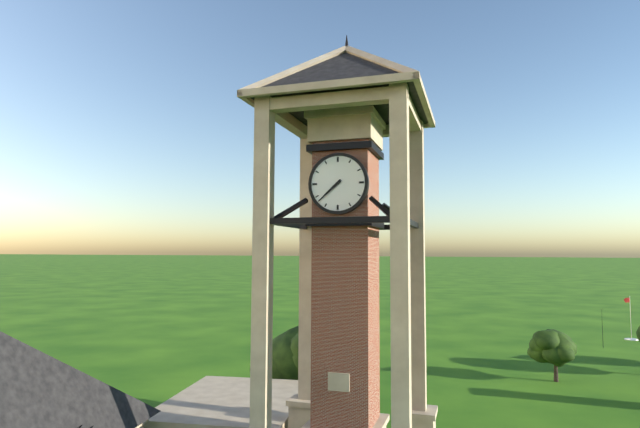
h=7 m=38
